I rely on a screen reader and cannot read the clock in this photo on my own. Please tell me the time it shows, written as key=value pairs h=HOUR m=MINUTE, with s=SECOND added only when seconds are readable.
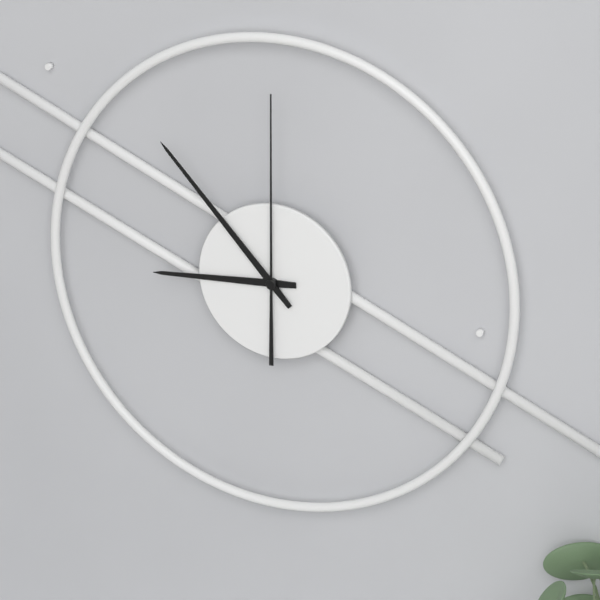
h=8 m=53 s=0
